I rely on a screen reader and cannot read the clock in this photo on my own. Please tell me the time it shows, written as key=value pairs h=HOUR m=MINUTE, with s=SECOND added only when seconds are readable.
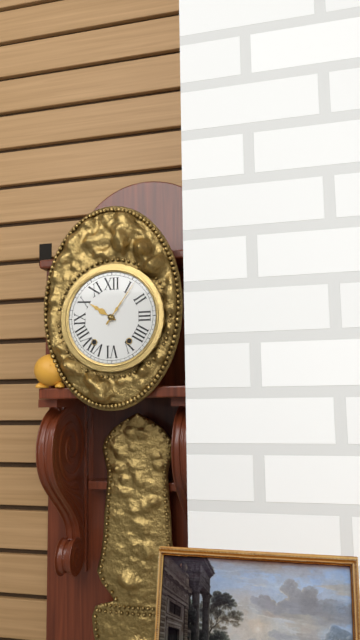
h=10 m=6
